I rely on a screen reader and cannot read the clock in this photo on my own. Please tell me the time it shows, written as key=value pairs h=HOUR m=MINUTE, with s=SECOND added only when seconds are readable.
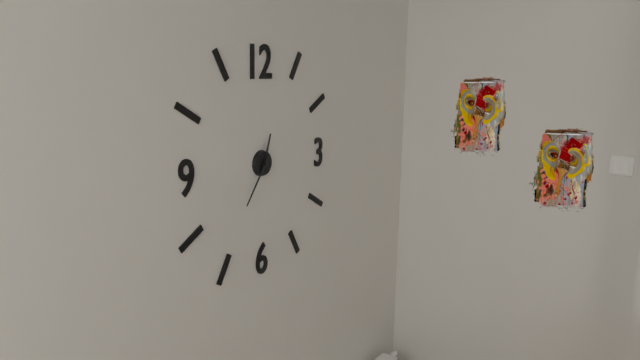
h=12 m=36
